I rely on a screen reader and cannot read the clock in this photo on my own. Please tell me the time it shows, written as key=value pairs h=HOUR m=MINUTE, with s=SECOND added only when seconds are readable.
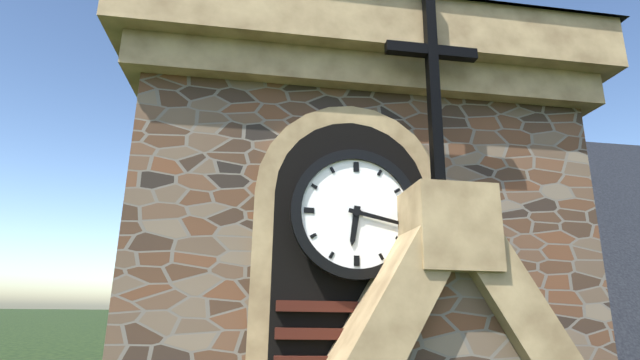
h=6 m=17
